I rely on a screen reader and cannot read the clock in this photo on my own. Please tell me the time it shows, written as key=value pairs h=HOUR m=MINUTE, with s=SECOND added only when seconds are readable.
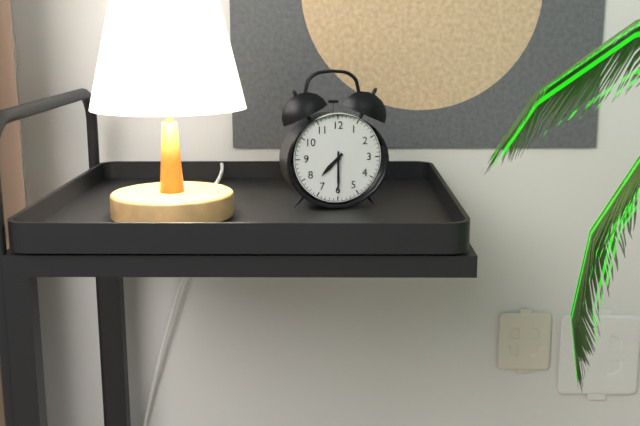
h=7 m=30
